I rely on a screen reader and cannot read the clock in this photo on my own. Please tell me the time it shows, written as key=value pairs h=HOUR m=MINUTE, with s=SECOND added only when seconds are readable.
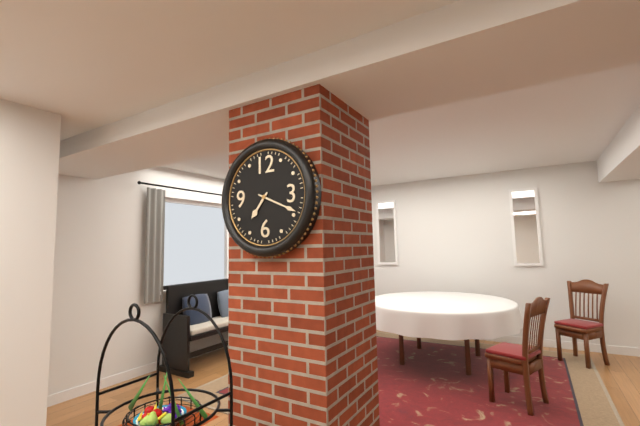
h=7 m=19
